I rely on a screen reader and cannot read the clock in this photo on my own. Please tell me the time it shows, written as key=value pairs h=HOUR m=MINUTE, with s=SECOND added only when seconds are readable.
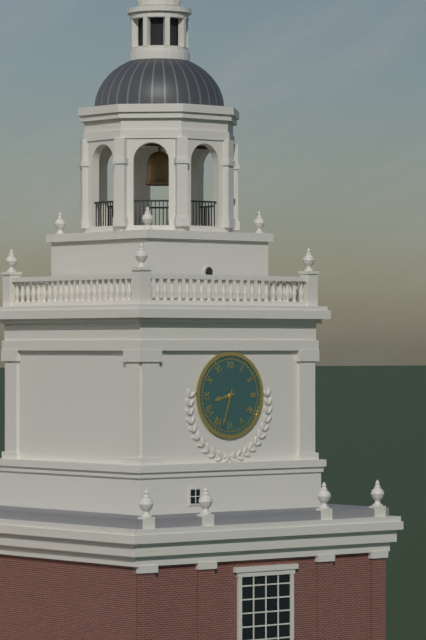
h=8 m=33
